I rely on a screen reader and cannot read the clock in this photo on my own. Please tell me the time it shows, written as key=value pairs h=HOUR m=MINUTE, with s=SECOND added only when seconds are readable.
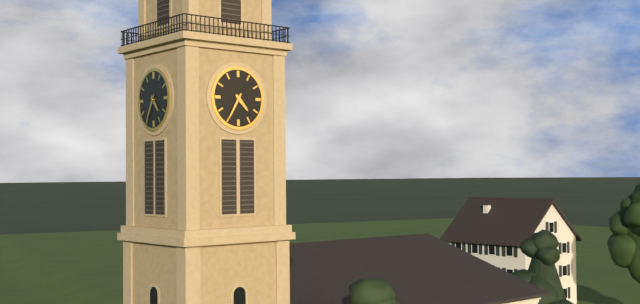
h=4 m=35
